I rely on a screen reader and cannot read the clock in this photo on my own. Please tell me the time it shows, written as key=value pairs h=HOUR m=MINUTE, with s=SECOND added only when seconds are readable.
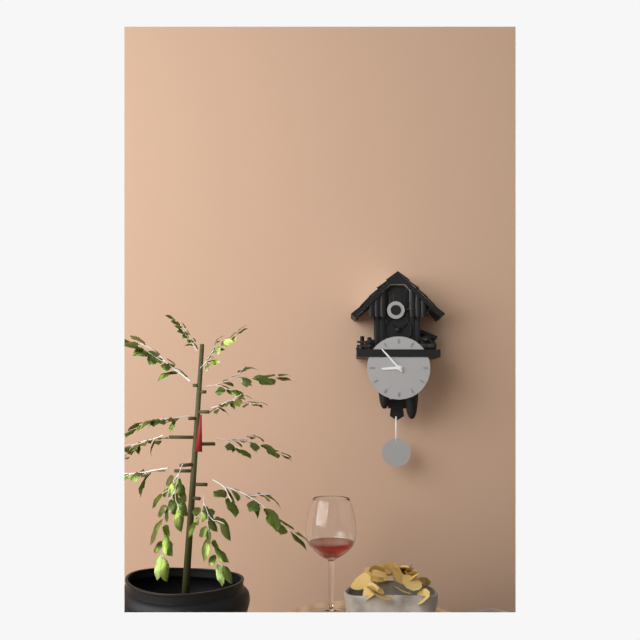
h=8 m=53
